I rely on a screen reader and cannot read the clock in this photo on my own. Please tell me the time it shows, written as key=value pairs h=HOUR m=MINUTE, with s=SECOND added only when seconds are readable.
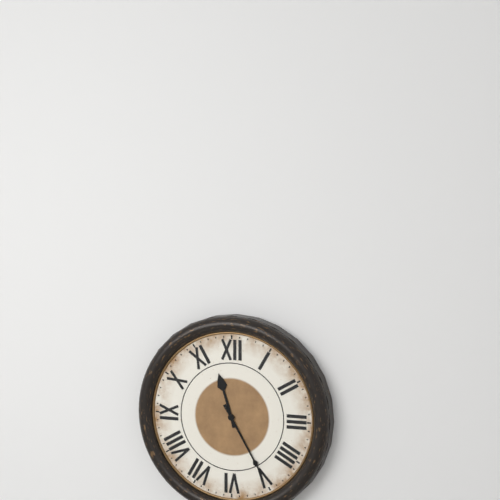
h=11 m=25
